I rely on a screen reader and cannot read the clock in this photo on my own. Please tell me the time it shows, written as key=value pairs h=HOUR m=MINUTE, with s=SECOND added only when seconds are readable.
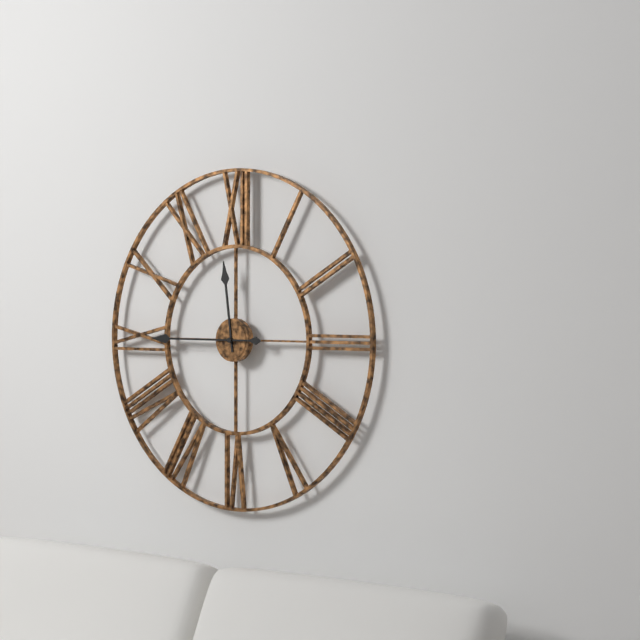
h=11 m=45
